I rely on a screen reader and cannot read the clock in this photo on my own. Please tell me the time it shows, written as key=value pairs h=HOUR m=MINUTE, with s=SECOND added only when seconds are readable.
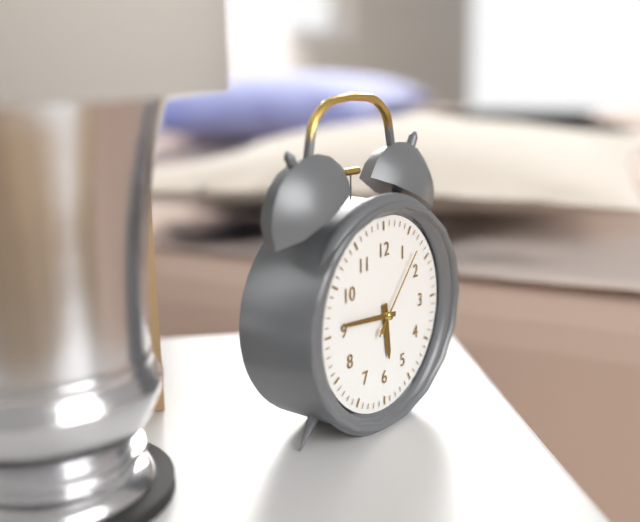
h=5 m=46 s=7
